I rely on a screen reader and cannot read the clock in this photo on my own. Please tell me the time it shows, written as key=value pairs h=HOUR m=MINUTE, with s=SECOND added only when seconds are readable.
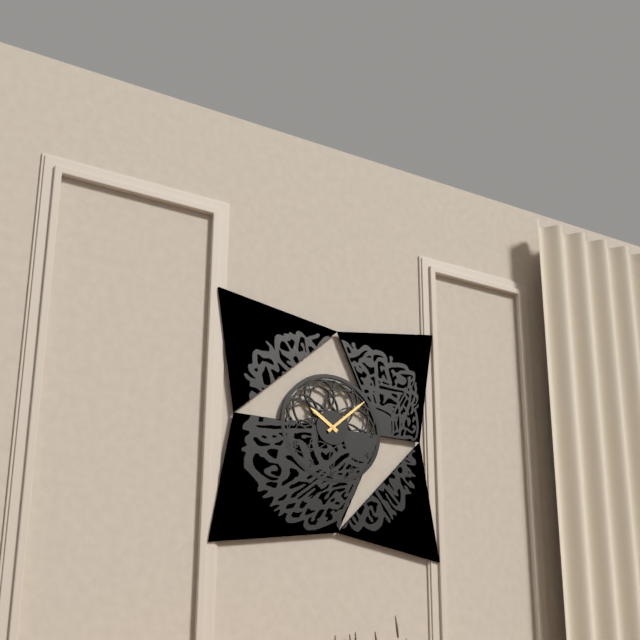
h=10 m=8
